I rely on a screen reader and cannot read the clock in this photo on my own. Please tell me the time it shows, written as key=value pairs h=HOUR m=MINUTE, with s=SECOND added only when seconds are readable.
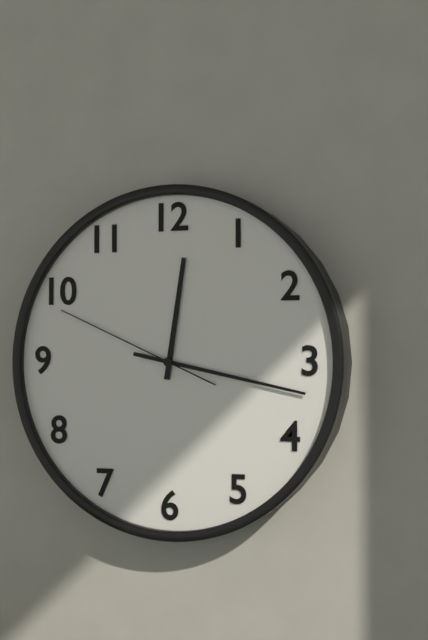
h=12 m=17 s=49
